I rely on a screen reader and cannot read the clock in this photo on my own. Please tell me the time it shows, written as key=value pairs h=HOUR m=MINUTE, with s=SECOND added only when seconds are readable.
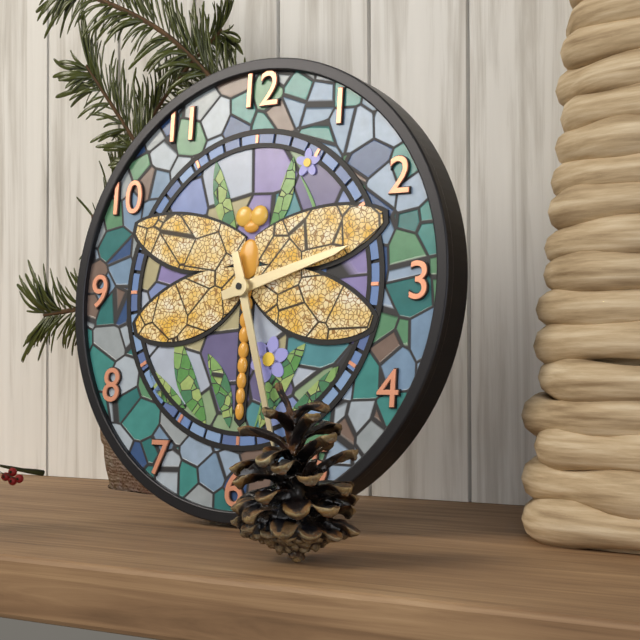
h=2 m=27
